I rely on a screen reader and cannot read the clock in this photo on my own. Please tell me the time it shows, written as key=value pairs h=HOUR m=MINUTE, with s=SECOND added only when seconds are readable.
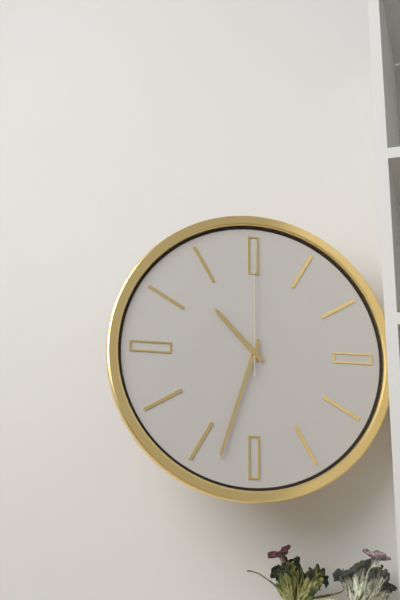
h=10 m=33 s=0
